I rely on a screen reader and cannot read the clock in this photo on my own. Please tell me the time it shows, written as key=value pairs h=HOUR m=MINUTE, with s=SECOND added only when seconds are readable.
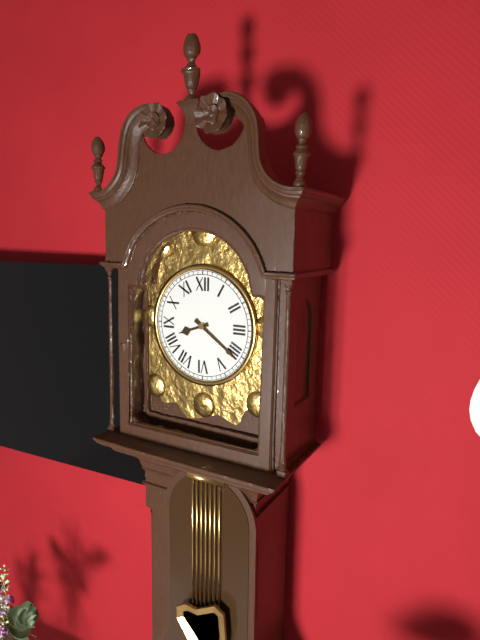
h=8 m=21
